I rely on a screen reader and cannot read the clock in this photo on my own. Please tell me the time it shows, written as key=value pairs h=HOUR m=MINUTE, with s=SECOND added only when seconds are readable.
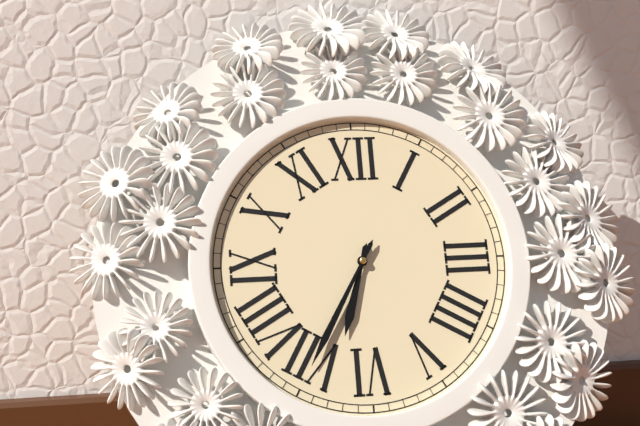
h=6 m=35
